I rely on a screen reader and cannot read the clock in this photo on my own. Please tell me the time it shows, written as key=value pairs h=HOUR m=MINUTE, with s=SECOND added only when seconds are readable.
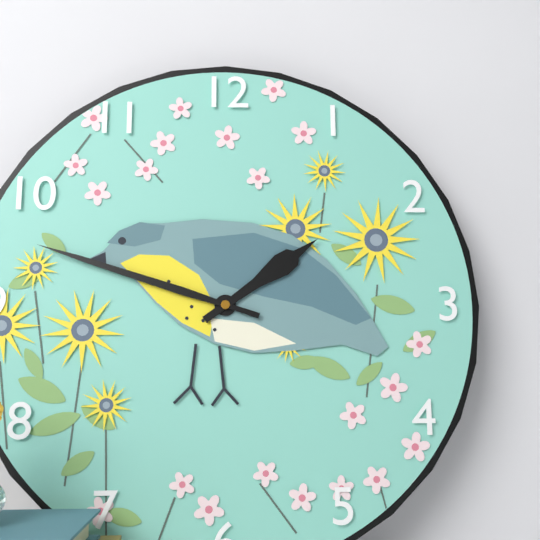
h=1 m=48
